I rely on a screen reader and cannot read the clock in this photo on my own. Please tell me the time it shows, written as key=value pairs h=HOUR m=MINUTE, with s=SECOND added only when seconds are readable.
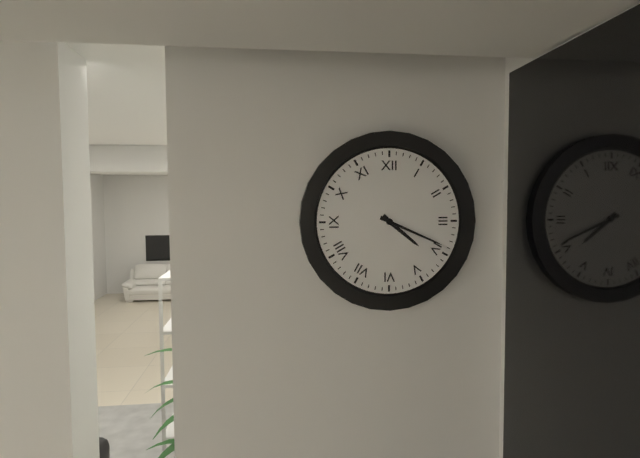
h=4 m=19
